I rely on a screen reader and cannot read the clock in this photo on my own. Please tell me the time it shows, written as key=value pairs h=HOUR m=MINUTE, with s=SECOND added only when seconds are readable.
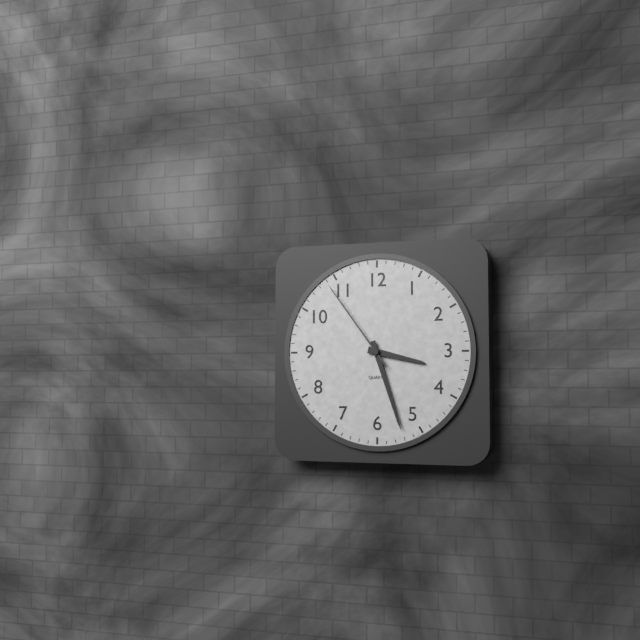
h=3 m=27 s=54
